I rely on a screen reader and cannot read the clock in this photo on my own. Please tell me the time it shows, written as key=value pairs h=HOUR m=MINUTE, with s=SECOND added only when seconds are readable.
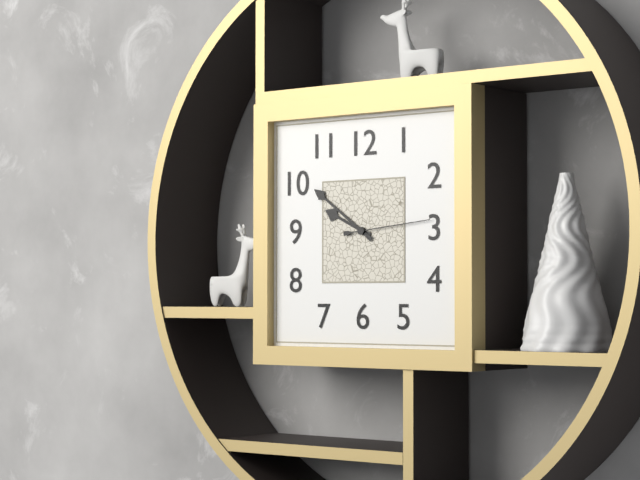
h=9 m=51 s=14
